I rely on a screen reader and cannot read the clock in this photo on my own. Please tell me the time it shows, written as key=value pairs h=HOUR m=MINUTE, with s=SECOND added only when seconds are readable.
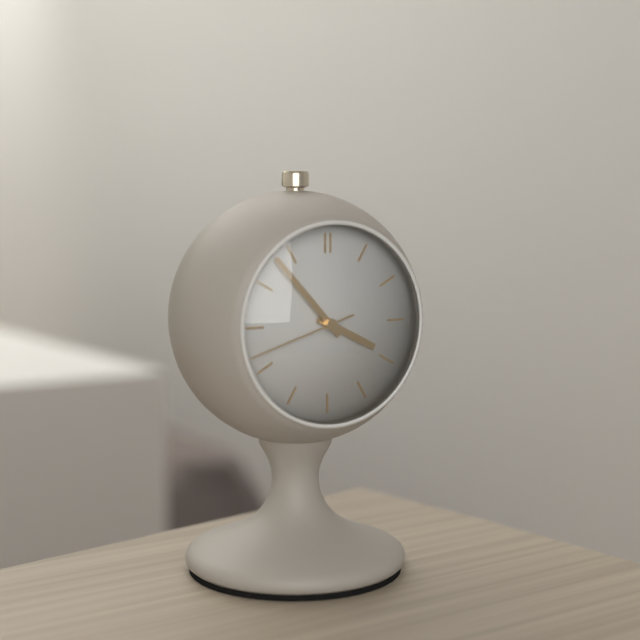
h=3 m=53 s=42
